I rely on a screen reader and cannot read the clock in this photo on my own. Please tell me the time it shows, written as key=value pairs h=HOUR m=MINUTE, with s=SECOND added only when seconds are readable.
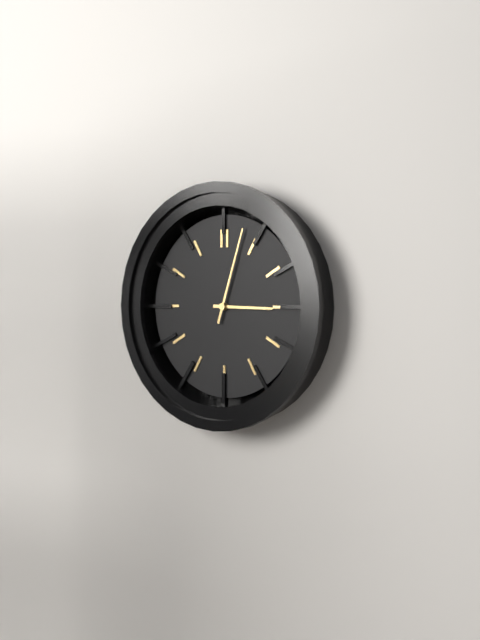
h=3 m=3
